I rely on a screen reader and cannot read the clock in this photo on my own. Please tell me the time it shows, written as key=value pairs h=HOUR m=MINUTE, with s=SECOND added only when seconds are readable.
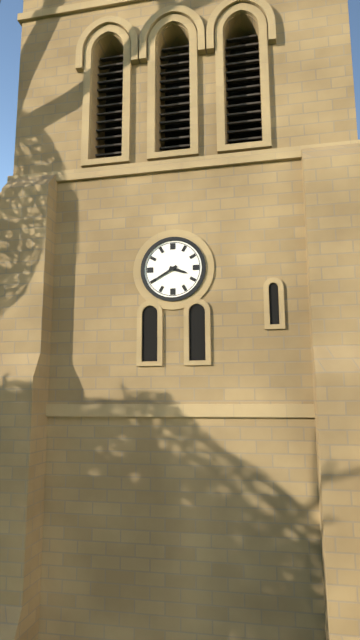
h=3 m=40
